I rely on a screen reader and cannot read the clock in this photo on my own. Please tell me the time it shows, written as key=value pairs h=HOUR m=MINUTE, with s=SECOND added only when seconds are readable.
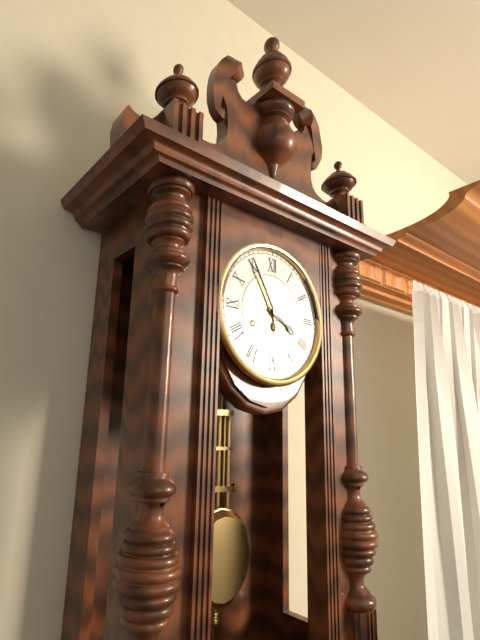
h=3 m=55
